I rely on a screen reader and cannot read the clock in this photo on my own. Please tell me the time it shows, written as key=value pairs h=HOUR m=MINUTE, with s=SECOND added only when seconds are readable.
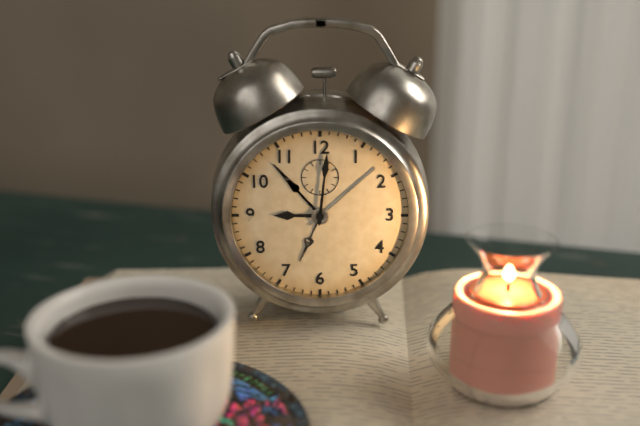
h=9 m=1
